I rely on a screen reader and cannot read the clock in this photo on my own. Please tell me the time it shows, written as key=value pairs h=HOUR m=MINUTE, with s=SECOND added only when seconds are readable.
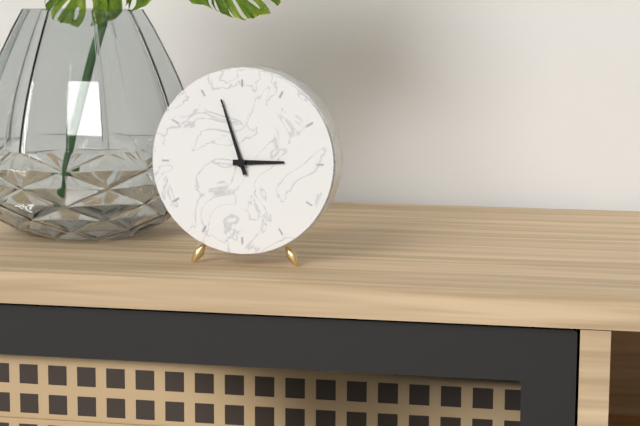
h=2 m=57
